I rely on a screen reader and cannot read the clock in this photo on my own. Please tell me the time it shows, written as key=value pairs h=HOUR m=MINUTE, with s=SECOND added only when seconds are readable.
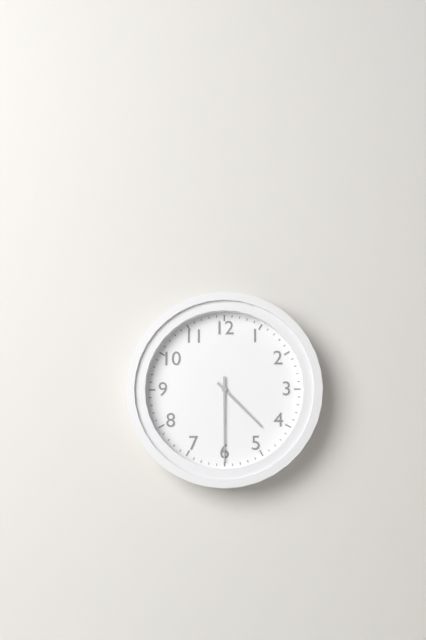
h=4 m=30
